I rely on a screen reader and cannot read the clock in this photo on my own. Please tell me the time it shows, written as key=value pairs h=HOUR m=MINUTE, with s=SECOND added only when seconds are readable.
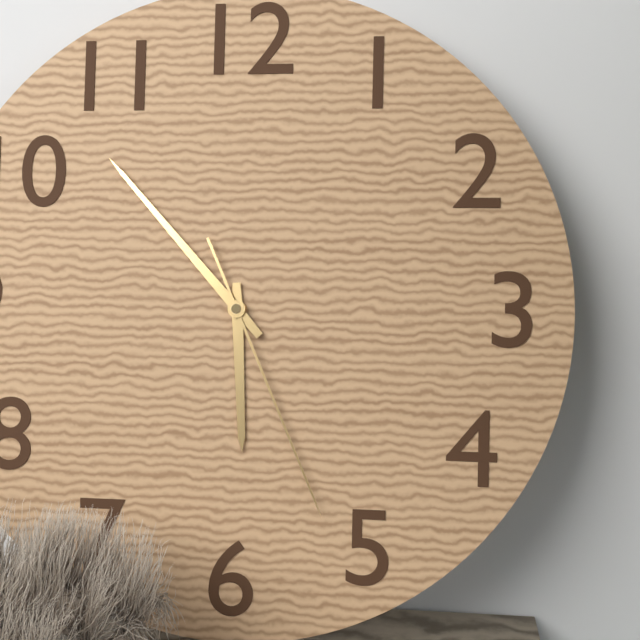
h=5 m=53 s=26
